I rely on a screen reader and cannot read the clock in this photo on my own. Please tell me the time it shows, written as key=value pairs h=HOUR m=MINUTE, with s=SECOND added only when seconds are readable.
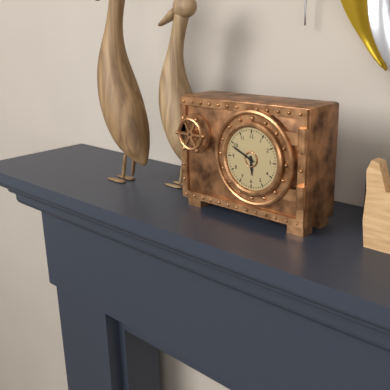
h=5 m=49
